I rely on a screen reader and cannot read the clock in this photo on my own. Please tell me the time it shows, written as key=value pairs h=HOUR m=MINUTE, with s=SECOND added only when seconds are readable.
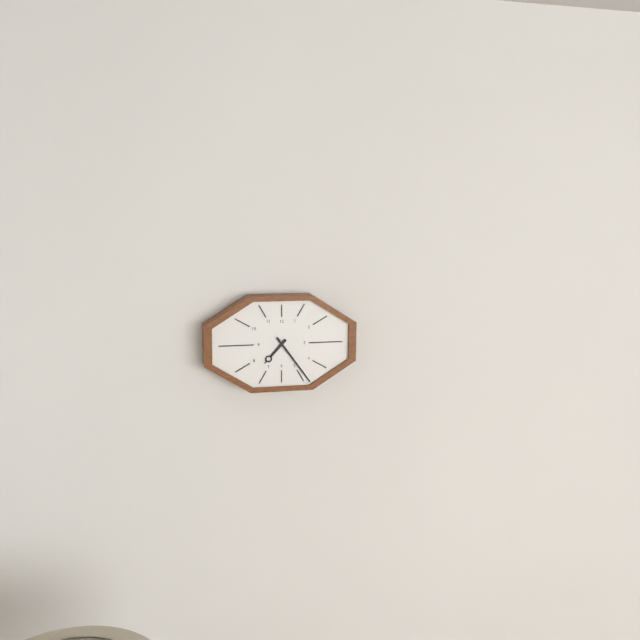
h=7 m=24
